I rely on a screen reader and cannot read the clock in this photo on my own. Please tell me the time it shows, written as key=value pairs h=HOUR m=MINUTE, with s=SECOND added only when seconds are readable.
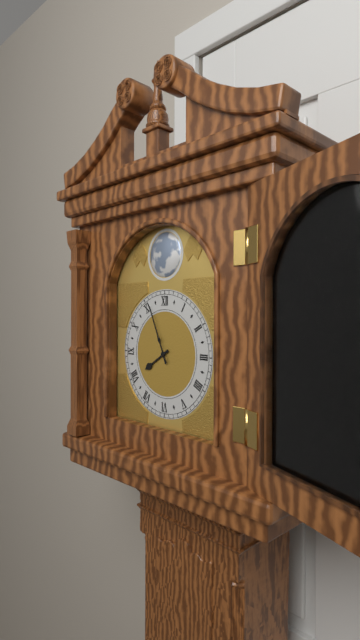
h=7 m=56
